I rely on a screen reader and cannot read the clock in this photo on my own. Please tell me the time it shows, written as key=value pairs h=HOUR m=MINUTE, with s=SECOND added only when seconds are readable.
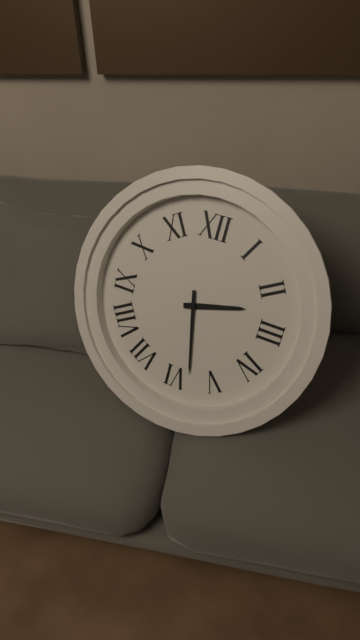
h=2 m=28
